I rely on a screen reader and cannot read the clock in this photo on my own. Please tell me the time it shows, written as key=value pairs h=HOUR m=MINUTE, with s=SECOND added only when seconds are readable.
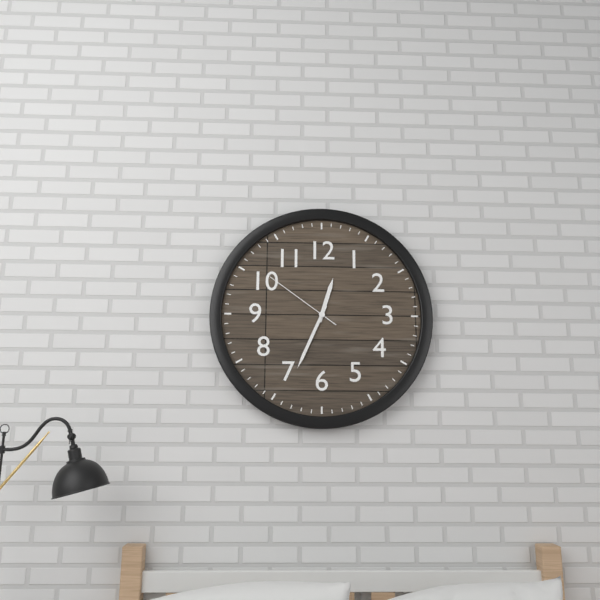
h=12 m=34 s=51
